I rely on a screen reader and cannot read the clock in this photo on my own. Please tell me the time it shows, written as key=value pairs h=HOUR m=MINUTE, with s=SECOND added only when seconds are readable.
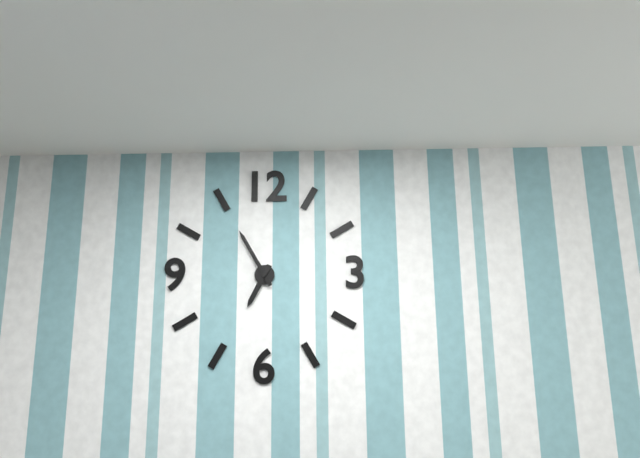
h=6 m=55
